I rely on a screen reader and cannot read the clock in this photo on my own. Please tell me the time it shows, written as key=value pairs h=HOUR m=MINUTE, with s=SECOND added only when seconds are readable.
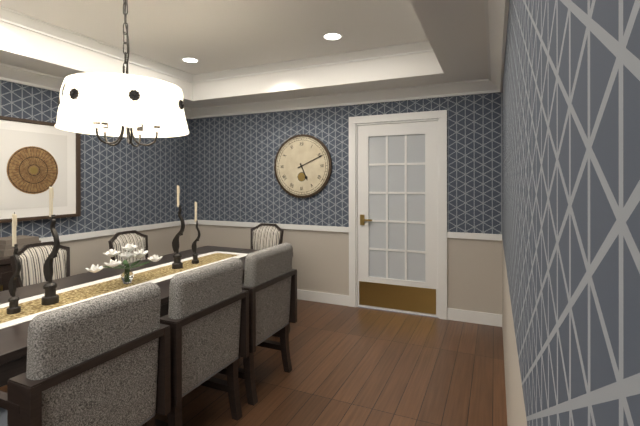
h=5 m=11
